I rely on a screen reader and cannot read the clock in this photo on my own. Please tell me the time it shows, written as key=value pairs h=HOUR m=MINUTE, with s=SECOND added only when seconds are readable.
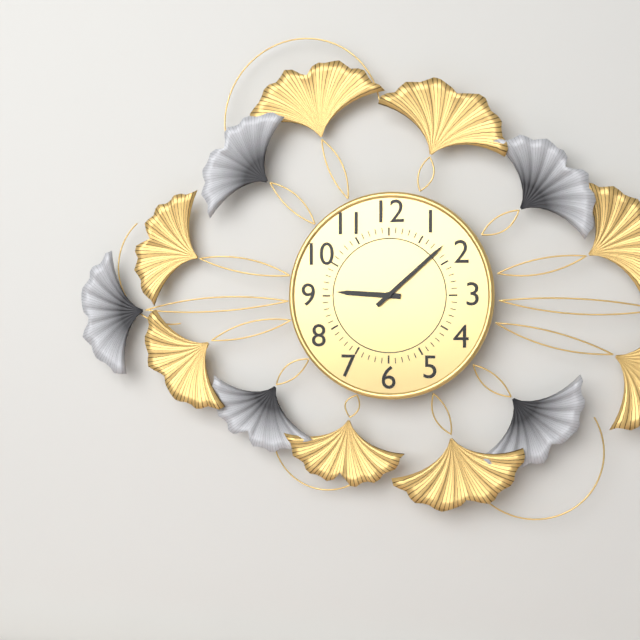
h=9 m=8
